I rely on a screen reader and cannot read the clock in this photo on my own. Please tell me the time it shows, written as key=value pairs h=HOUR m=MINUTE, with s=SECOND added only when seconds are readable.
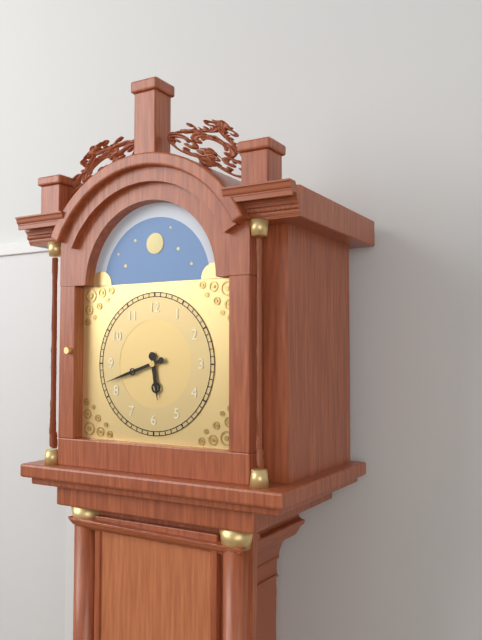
h=5 m=42
